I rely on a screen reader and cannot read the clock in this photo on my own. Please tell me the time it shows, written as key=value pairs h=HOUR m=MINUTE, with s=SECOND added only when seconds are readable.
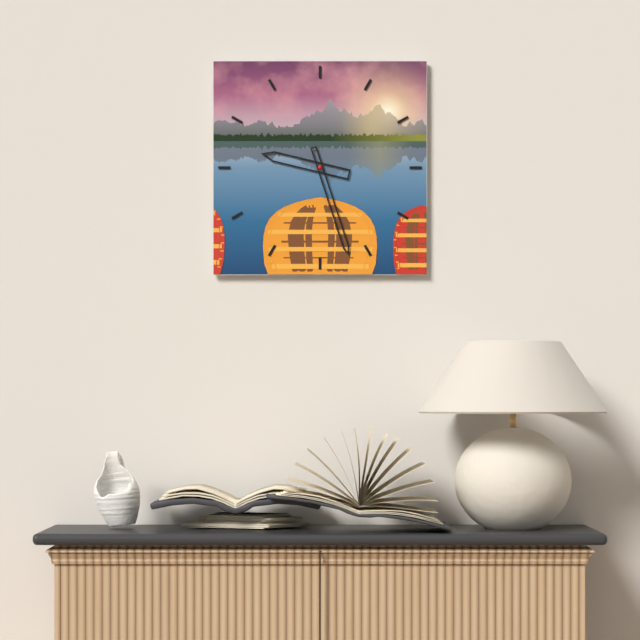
h=9 m=27
